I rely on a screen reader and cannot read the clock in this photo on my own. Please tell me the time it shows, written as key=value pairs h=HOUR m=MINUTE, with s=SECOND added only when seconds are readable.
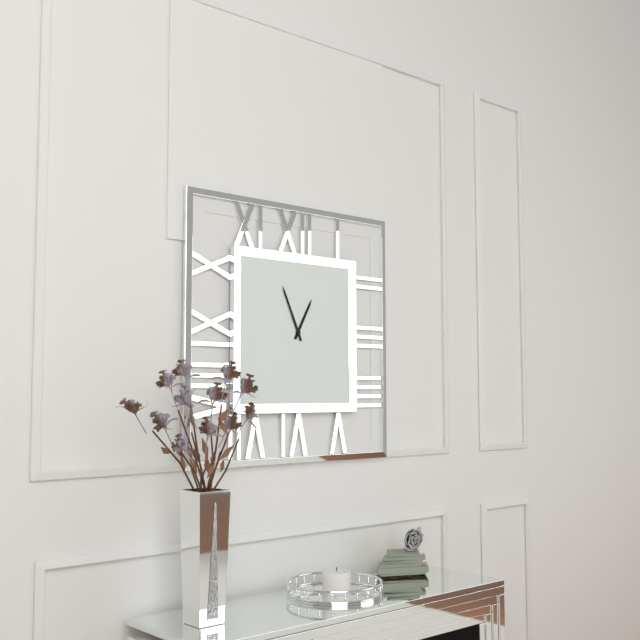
h=12 m=56
